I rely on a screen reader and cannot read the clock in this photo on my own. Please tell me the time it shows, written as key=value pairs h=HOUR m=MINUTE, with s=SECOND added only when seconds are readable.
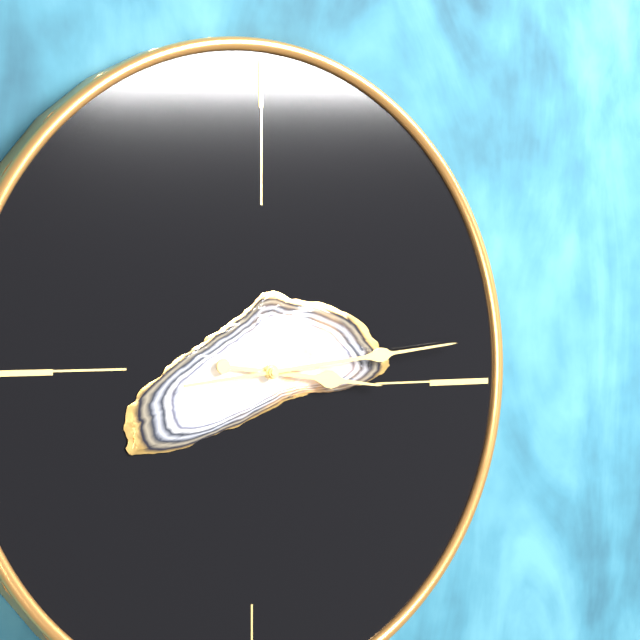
h=3 m=14
